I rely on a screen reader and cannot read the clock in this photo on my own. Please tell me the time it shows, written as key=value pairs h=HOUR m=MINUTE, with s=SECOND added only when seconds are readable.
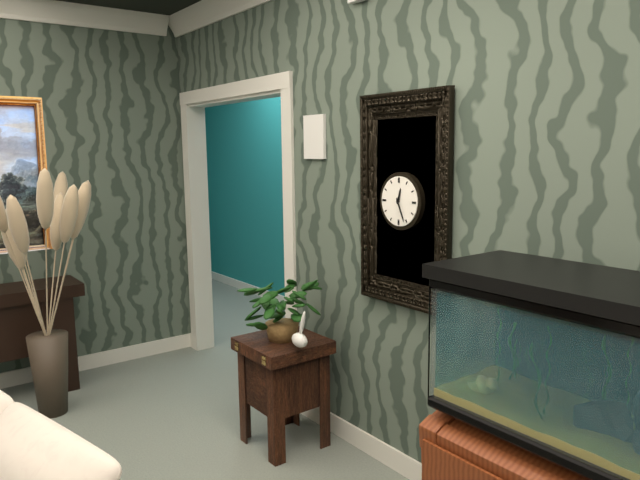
h=12 m=26
